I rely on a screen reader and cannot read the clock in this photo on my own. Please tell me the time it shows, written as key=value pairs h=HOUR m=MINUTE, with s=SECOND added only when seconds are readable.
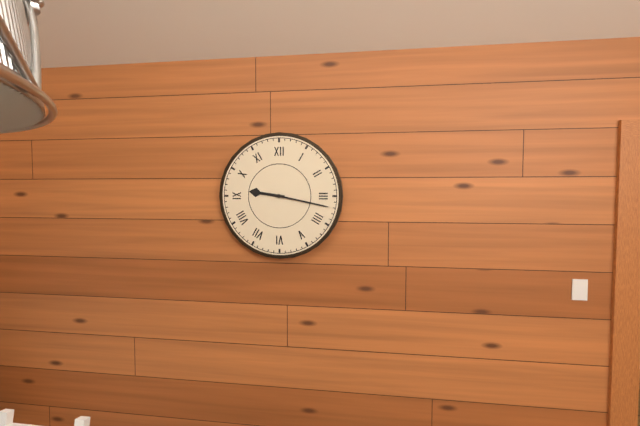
h=9 m=17
